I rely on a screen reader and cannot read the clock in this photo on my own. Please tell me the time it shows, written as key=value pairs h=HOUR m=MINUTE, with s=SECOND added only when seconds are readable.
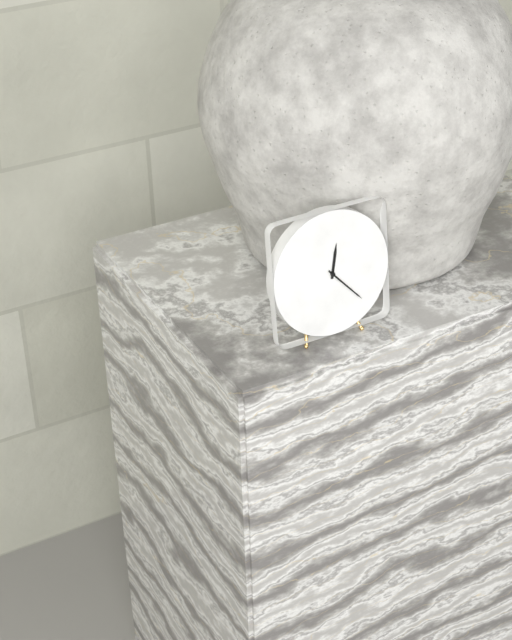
h=12 m=23
